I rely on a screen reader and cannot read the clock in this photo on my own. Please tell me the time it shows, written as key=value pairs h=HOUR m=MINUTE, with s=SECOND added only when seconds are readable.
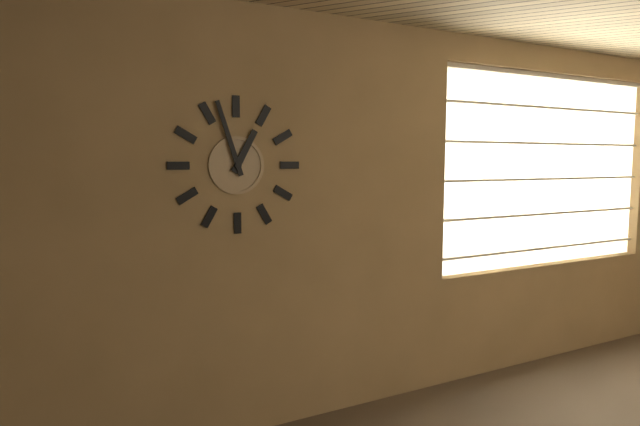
h=12 m=57
